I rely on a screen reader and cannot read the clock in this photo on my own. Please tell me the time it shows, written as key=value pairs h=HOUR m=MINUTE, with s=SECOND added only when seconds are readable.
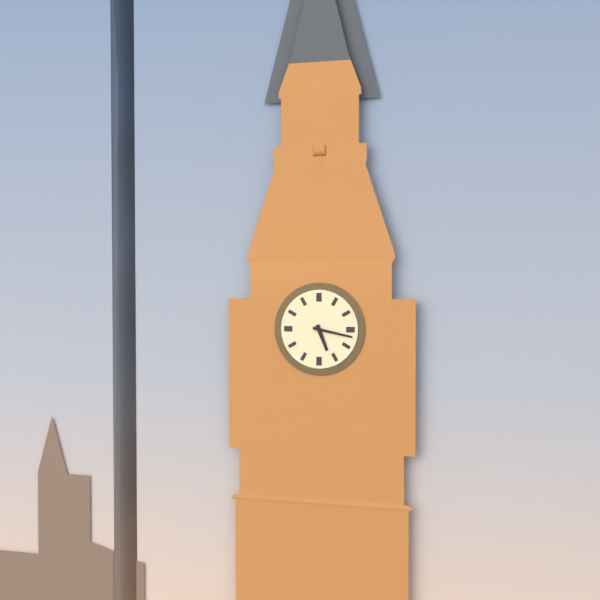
h=5 m=17
